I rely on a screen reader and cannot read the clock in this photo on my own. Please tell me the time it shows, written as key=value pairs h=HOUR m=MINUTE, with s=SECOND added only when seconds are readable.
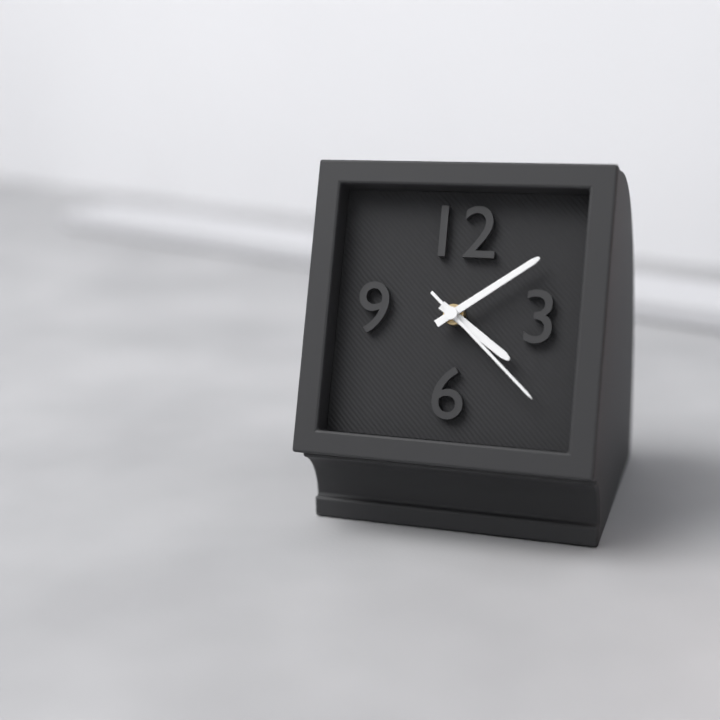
h=4 m=9 s=22
